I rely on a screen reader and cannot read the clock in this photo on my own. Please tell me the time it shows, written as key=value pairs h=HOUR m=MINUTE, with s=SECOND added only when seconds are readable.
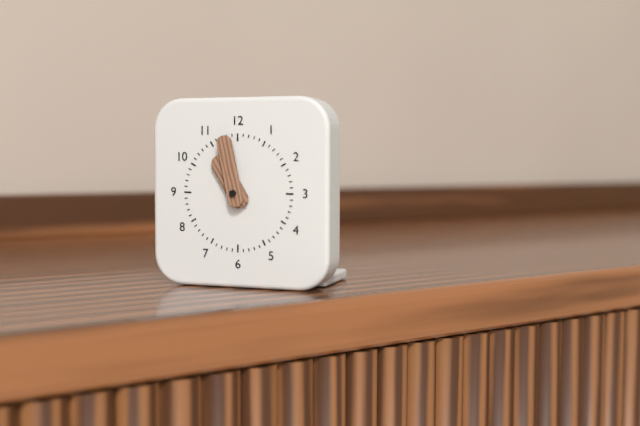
h=10 m=58
